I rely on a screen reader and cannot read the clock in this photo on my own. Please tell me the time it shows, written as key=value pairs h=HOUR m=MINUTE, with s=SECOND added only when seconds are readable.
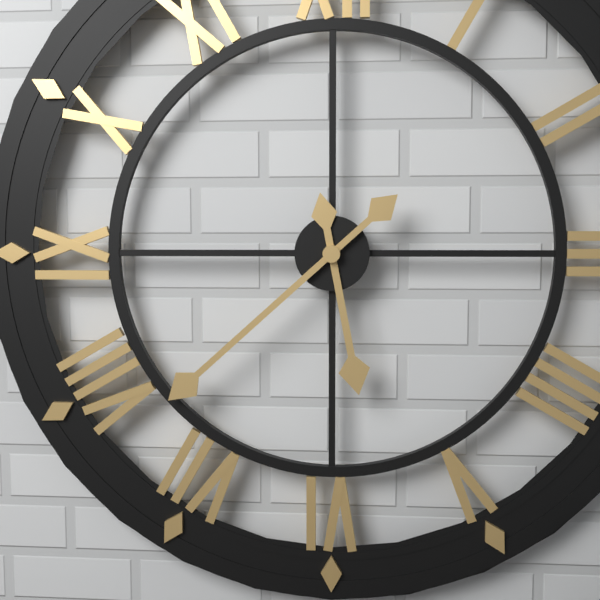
h=5 m=38
